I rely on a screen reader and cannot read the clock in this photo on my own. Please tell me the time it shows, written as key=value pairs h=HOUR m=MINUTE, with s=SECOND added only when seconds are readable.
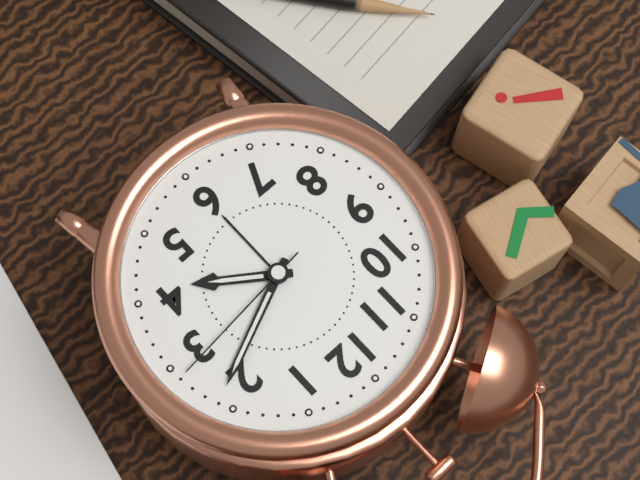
h=4 m=11 s=14
